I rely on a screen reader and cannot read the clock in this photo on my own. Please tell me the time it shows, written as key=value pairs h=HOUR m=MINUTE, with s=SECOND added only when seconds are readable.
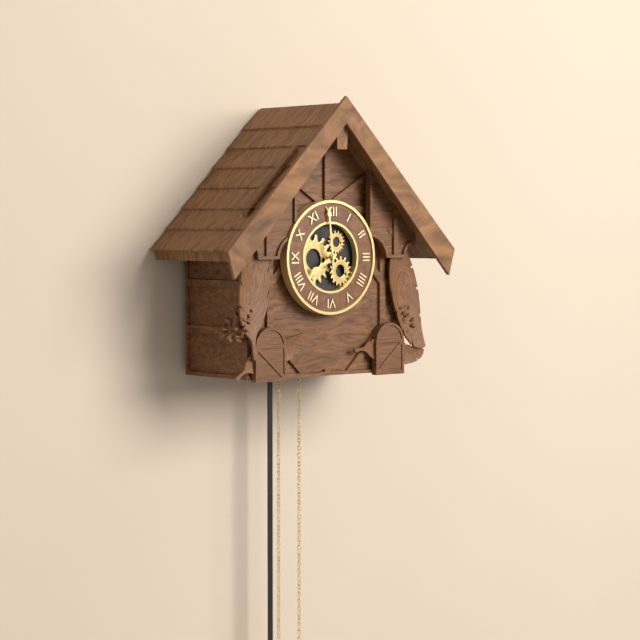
h=7 m=59
